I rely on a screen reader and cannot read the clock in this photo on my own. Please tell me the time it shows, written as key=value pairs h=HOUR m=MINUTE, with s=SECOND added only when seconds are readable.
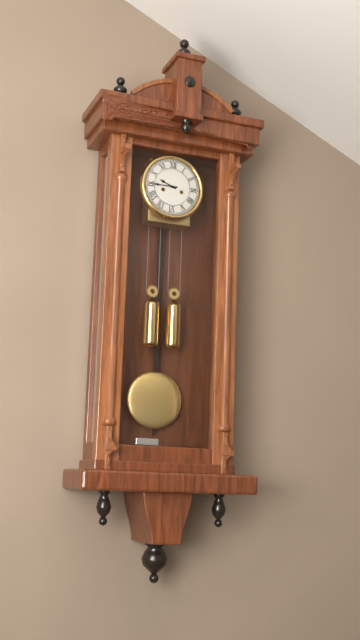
h=9 m=45
